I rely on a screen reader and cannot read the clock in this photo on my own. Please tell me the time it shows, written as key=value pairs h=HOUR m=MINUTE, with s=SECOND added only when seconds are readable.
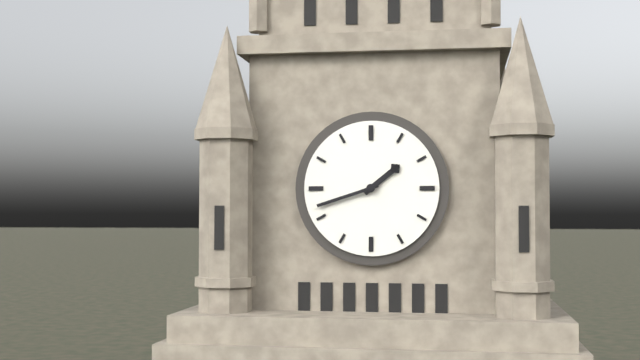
h=1 m=42
